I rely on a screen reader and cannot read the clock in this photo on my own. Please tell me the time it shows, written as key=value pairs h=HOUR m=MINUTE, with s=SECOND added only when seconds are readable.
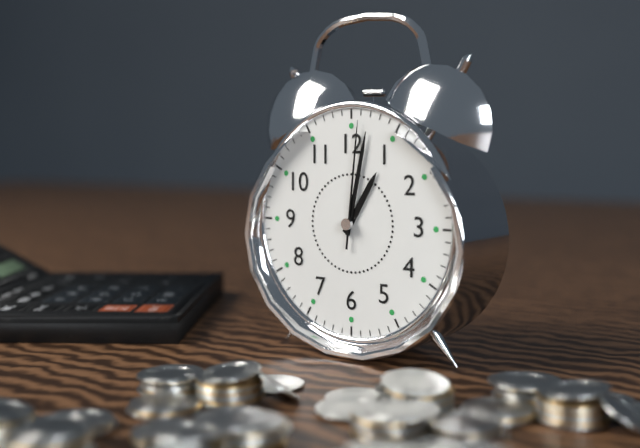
h=1 m=2 s=1
